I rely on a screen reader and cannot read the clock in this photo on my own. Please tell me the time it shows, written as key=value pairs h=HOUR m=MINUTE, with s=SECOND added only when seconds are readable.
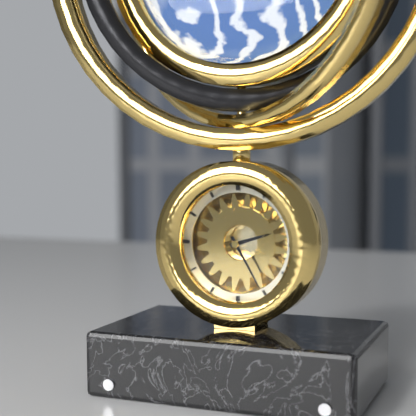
h=2 m=25
